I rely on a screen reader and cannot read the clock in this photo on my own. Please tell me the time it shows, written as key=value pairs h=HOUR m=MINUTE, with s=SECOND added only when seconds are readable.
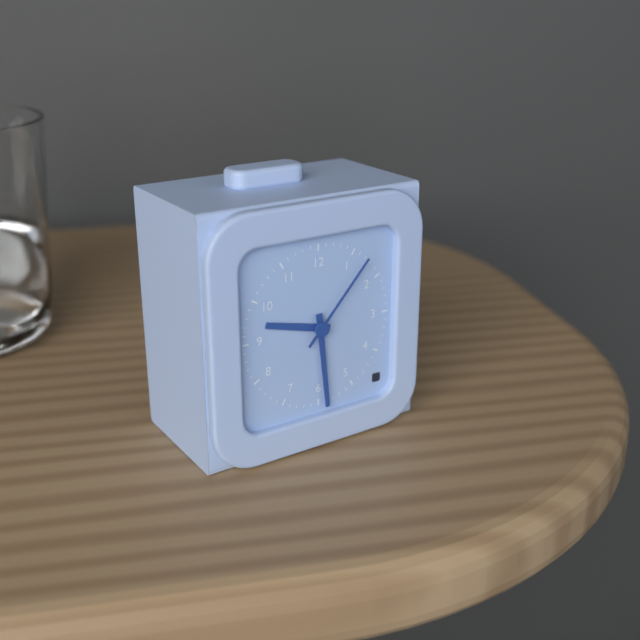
h=9 m=29 s=7
